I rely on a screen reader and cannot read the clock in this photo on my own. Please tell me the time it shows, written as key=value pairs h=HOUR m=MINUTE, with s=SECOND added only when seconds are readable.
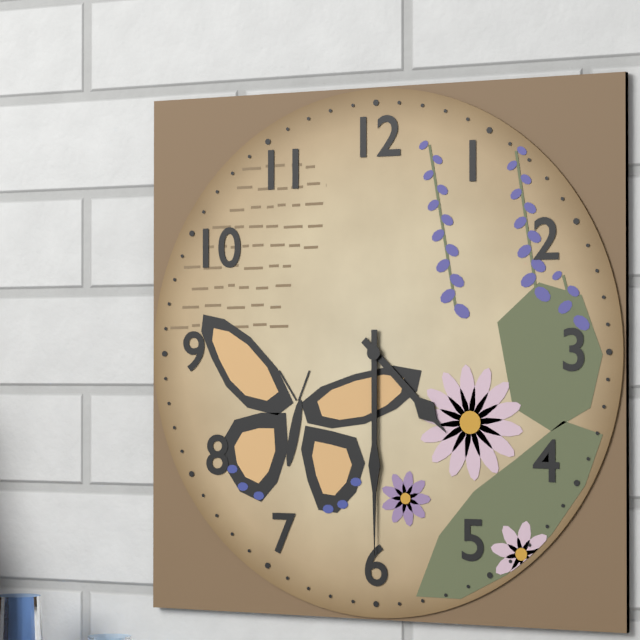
h=4 m=30
